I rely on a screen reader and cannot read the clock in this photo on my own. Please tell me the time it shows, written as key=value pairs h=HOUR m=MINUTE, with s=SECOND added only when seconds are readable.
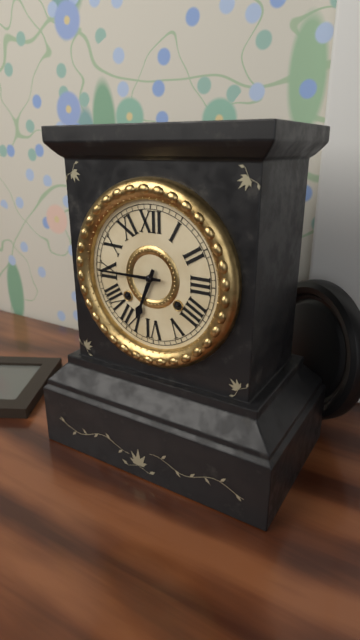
h=6 m=45
